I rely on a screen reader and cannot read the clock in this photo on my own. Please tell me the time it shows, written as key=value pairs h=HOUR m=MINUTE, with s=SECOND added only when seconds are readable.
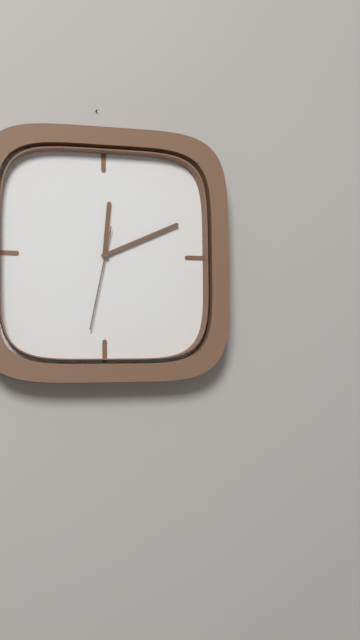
h=12 m=11 s=32
